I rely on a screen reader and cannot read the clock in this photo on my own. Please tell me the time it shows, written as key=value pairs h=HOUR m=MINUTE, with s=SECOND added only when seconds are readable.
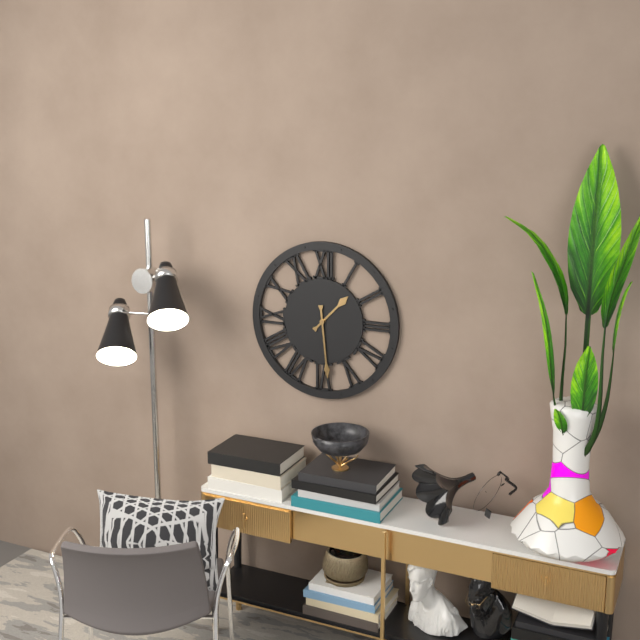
h=1 m=29
